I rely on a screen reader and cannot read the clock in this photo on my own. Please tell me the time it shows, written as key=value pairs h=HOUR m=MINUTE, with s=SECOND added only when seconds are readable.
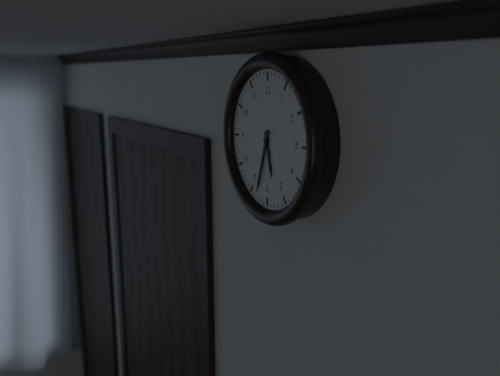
h=5 m=33
